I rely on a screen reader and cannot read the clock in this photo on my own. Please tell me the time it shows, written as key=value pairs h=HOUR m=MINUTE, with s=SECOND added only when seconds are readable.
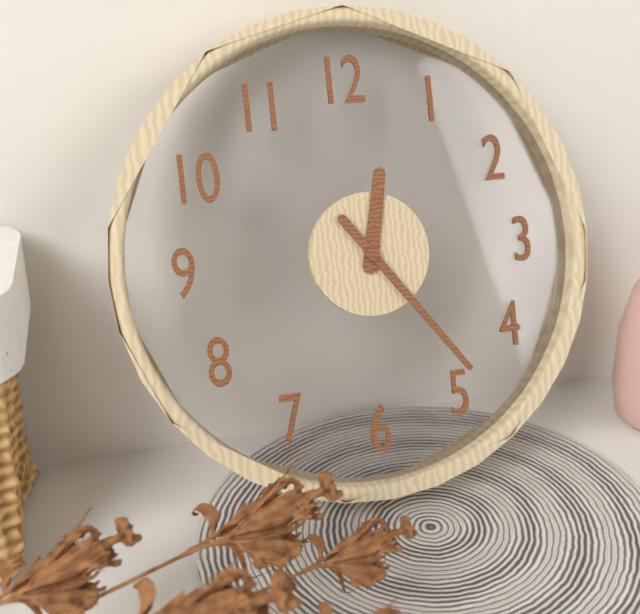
h=12 m=24
